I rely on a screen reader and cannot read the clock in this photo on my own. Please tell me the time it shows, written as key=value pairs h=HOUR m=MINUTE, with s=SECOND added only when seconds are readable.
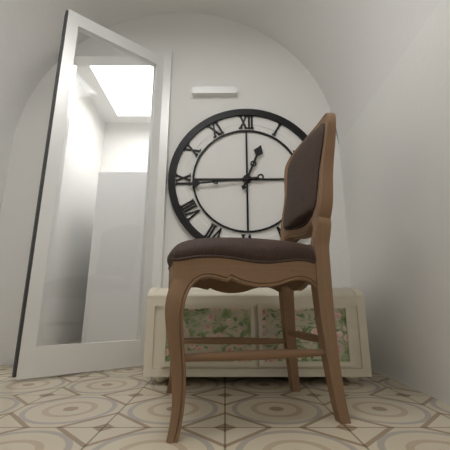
h=12 m=44
